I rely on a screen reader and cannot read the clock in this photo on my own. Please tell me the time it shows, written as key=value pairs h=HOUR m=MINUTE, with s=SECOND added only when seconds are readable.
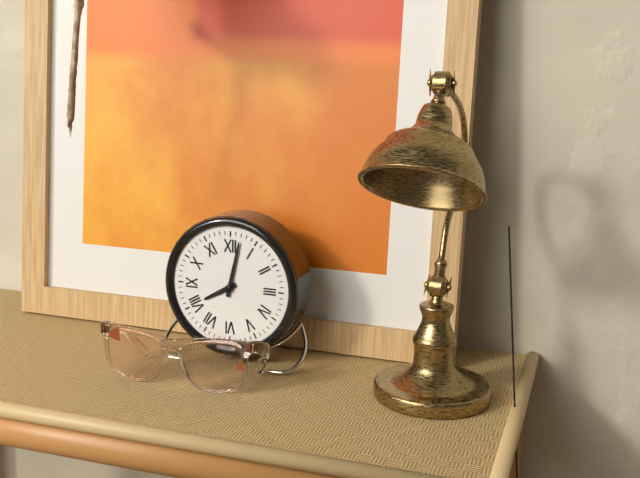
h=8 m=2
